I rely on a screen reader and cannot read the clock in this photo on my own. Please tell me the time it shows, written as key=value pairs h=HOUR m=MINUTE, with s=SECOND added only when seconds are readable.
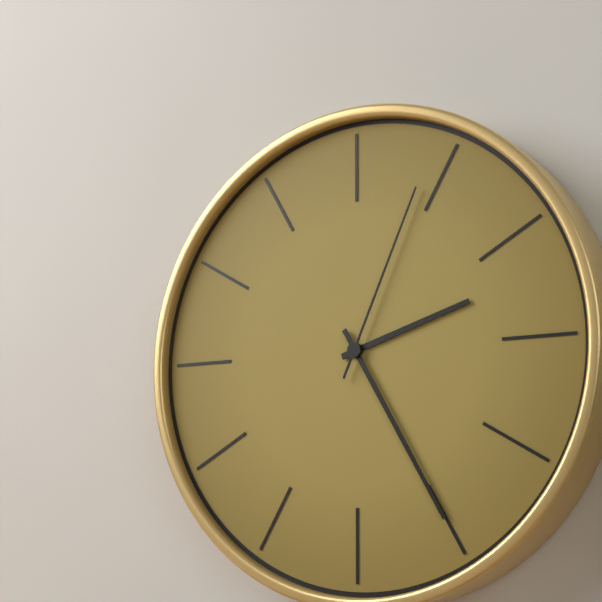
h=2 m=25 s=4
